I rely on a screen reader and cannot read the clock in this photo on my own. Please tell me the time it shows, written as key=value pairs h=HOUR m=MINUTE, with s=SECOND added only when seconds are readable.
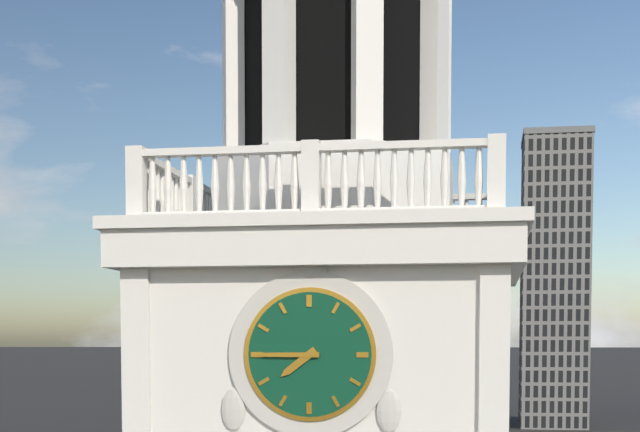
h=7 m=45
